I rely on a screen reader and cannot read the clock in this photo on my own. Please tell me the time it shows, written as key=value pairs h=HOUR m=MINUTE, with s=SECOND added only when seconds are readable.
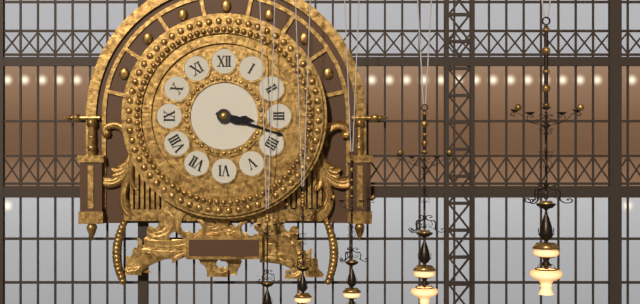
h=3 m=18
